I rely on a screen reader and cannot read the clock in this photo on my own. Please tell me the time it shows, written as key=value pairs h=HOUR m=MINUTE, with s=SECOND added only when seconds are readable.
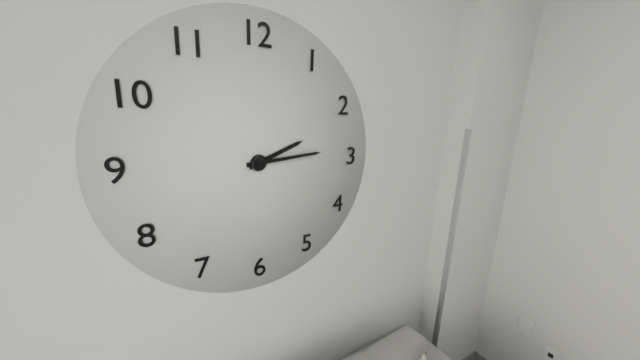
h=2 m=14
